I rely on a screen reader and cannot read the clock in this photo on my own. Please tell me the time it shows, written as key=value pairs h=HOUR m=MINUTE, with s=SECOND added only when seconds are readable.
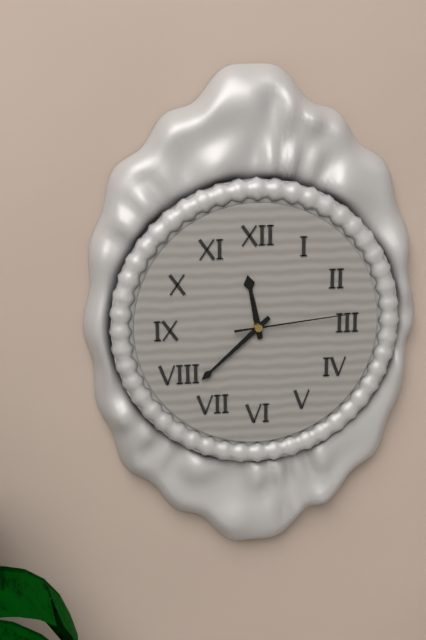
h=11 m=38 s=14
